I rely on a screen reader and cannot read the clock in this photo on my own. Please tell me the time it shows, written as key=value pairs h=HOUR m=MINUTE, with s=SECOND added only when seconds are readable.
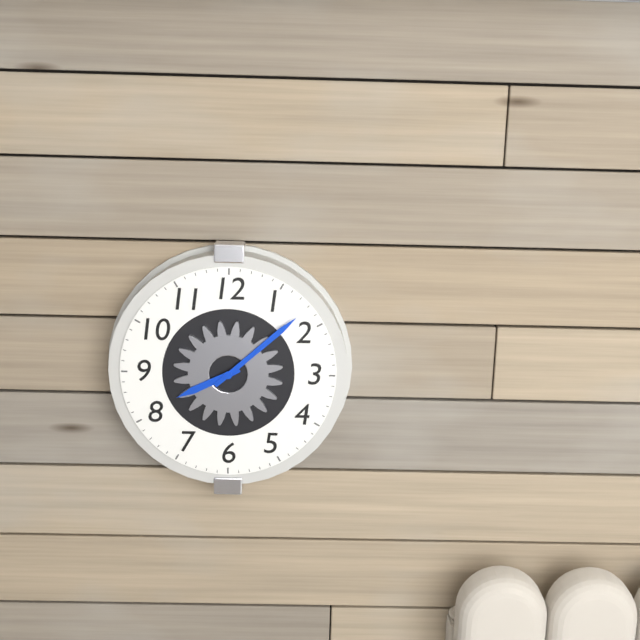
h=8 m=8
